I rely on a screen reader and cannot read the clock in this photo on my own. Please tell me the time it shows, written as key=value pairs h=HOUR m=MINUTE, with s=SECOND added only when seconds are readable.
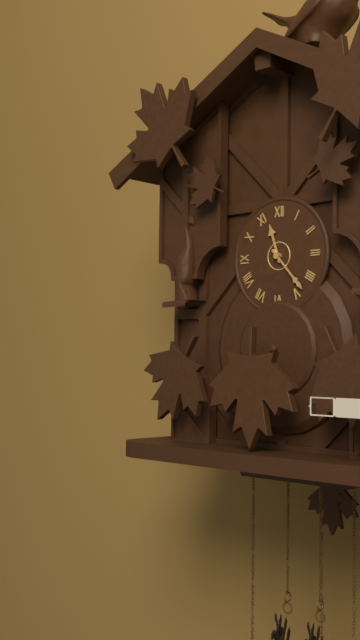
h=11 m=23
